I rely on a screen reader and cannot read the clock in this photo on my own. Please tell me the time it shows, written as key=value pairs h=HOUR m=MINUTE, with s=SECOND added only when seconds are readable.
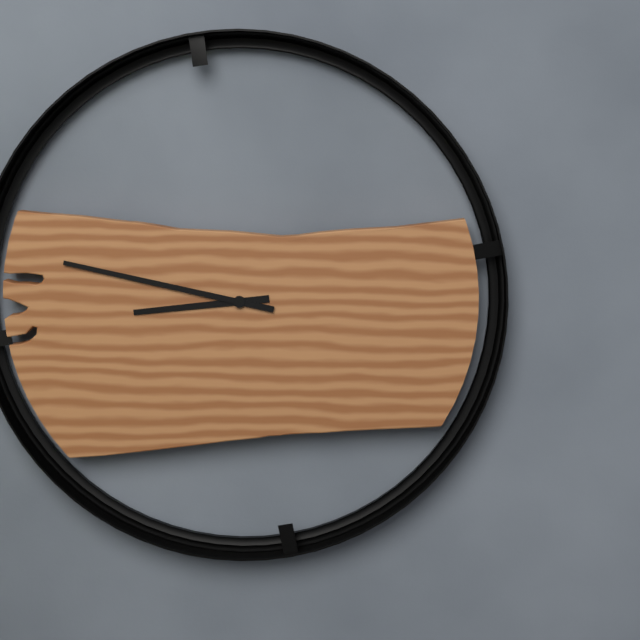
h=8 m=47
